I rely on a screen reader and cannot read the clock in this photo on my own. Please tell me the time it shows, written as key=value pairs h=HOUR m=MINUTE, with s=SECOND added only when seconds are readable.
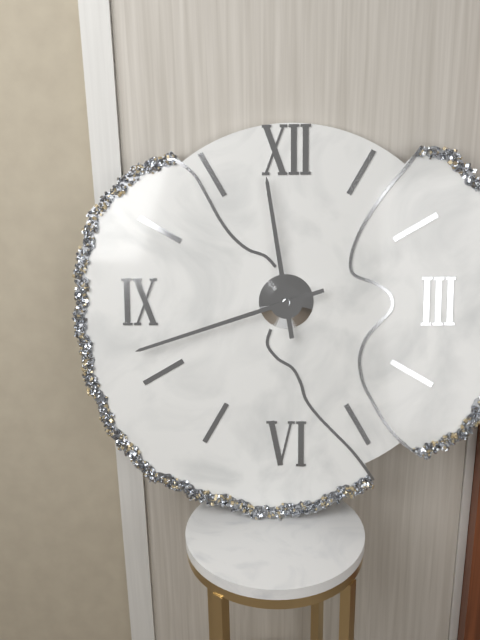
h=11 m=42
